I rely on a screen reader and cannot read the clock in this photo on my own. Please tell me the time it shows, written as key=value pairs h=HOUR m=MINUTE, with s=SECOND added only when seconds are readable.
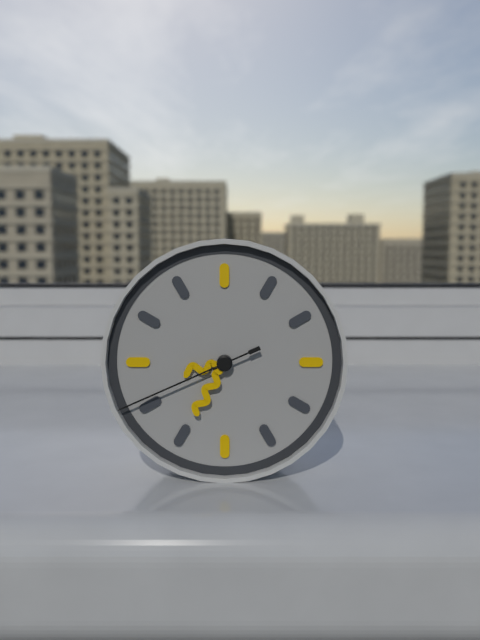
h=8 m=35 s=41
